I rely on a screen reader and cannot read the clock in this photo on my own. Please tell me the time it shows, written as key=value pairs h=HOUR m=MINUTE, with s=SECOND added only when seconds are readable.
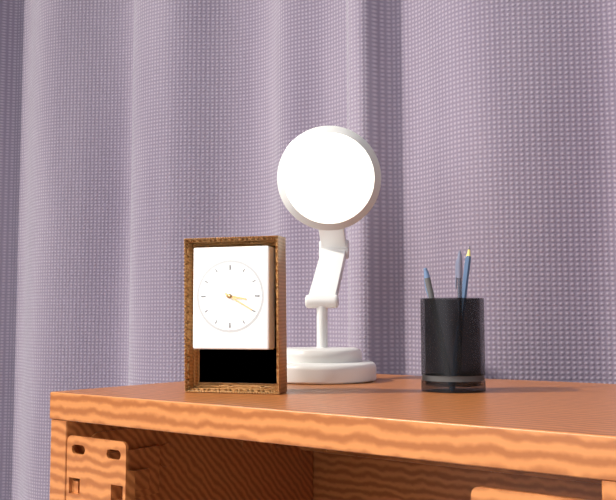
h=3 m=20
